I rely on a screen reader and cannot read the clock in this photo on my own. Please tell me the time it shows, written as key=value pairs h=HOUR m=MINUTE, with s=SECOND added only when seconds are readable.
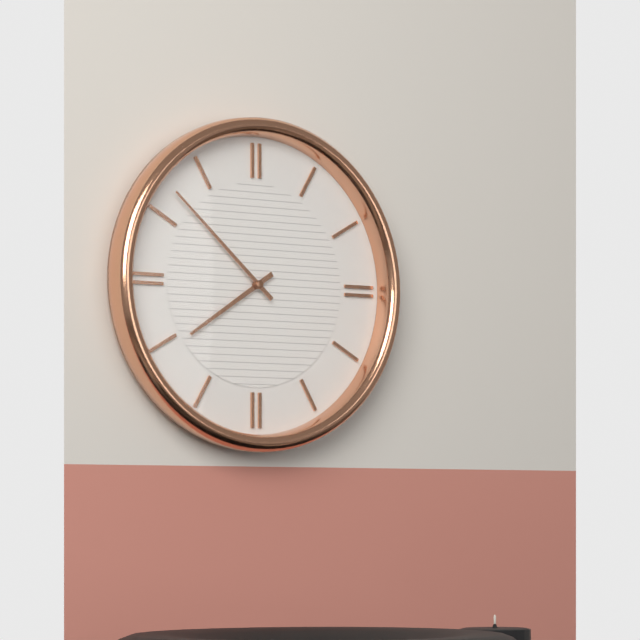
h=7 m=52
